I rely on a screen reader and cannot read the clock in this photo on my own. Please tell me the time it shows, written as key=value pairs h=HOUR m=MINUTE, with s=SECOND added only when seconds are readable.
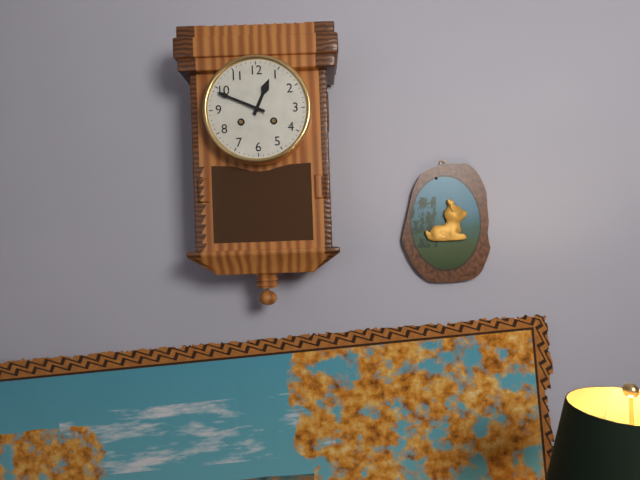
h=12 m=49
